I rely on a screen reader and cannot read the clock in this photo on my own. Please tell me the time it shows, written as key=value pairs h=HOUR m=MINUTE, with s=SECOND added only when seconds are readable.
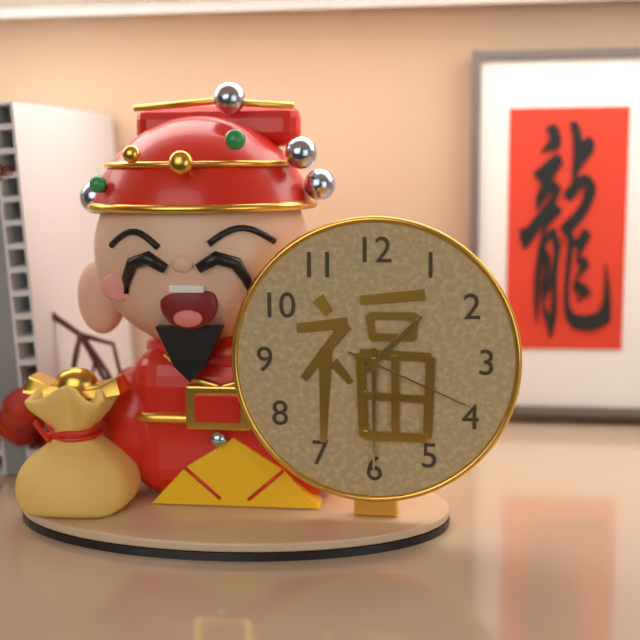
h=1 m=30 s=19
